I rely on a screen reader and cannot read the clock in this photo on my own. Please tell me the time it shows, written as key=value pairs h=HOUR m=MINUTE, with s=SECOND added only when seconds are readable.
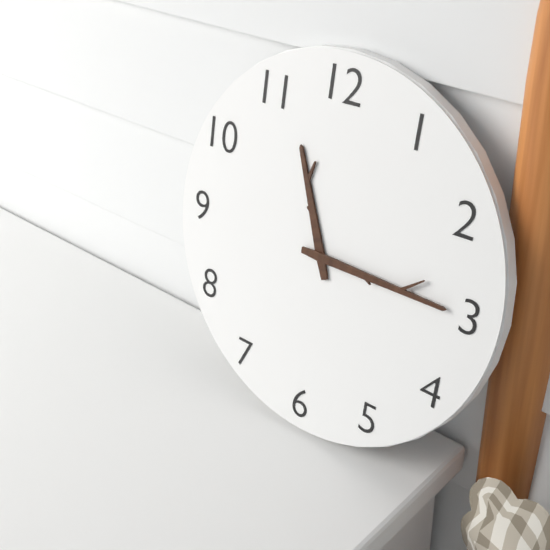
h=11 m=15
